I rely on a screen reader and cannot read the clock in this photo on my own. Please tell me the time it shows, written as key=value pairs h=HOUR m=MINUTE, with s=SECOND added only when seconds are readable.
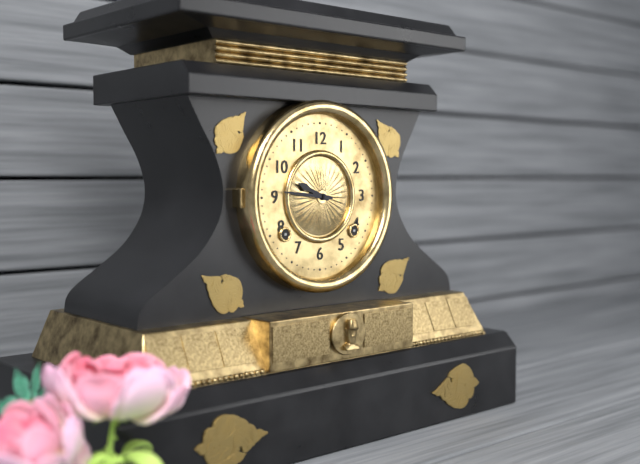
h=9 m=46
